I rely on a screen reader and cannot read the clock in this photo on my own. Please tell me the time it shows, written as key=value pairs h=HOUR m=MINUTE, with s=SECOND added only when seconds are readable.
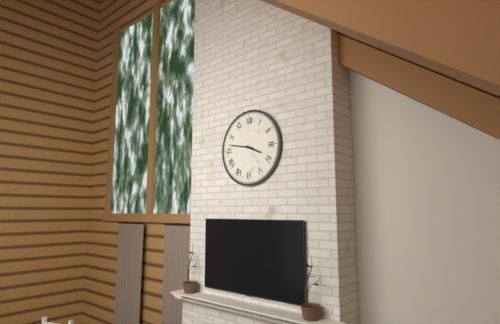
h=3 m=47
